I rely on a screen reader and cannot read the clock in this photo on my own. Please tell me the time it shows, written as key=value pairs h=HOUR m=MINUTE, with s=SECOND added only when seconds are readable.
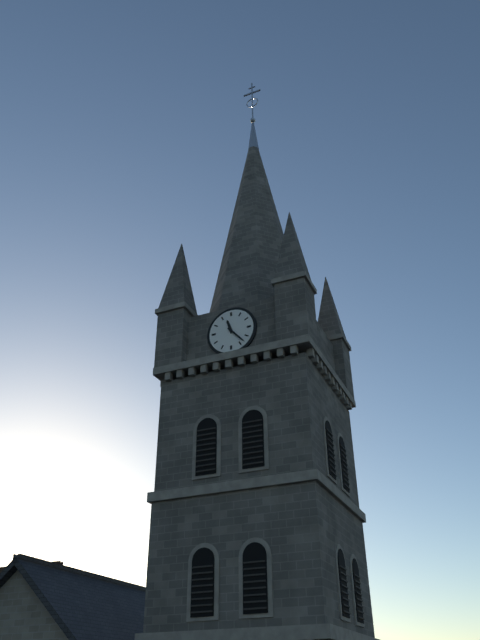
h=11 m=23
